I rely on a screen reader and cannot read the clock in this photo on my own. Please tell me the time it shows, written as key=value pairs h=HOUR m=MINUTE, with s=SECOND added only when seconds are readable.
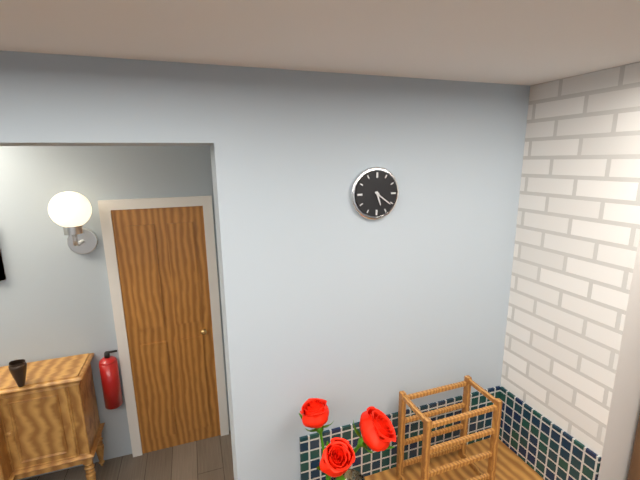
h=5 m=21
